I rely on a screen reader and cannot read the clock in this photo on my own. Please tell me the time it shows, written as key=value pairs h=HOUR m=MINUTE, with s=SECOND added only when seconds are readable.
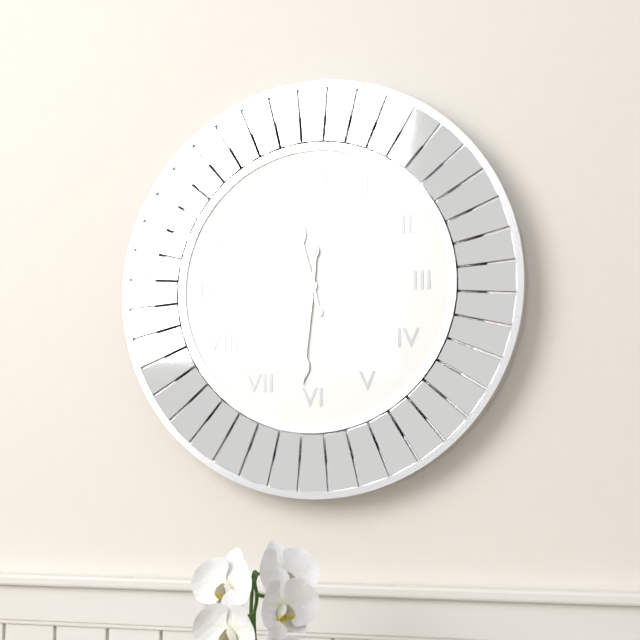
h=11 m=31
